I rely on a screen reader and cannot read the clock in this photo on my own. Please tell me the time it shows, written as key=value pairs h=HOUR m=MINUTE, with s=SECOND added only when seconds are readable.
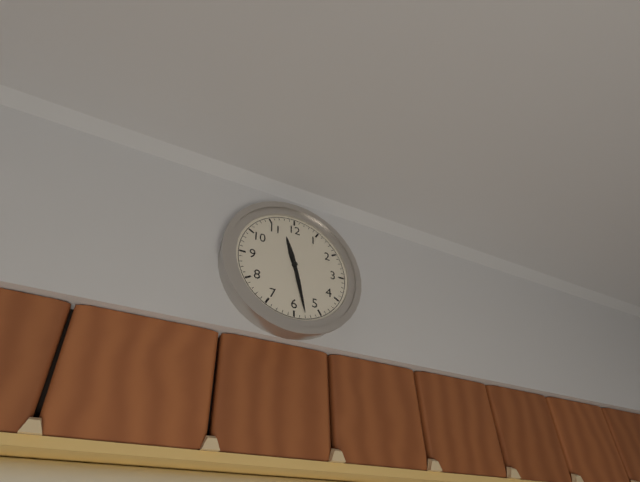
h=11 m=28
